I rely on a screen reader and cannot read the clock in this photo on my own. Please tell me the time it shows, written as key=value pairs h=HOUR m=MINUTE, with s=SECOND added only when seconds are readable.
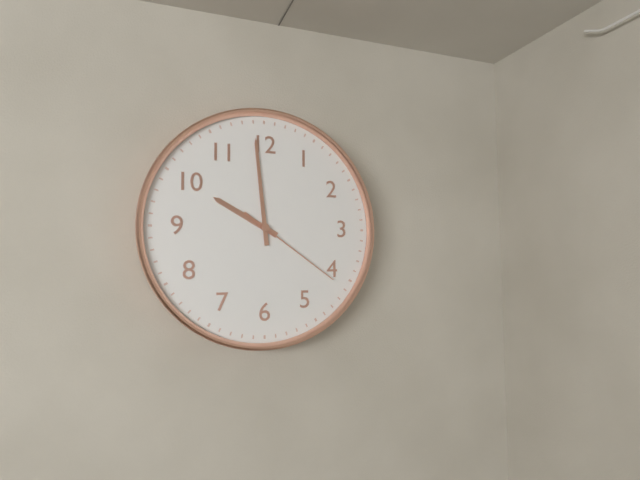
h=9 m=59 s=21
